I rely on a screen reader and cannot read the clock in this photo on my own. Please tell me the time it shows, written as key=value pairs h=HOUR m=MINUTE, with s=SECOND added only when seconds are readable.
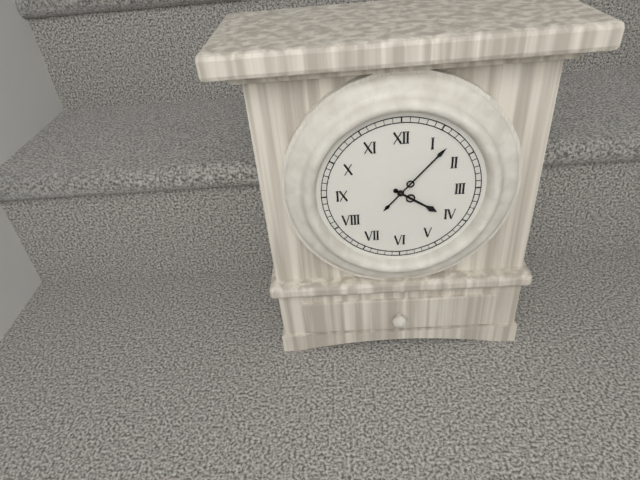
h=4 m=7
